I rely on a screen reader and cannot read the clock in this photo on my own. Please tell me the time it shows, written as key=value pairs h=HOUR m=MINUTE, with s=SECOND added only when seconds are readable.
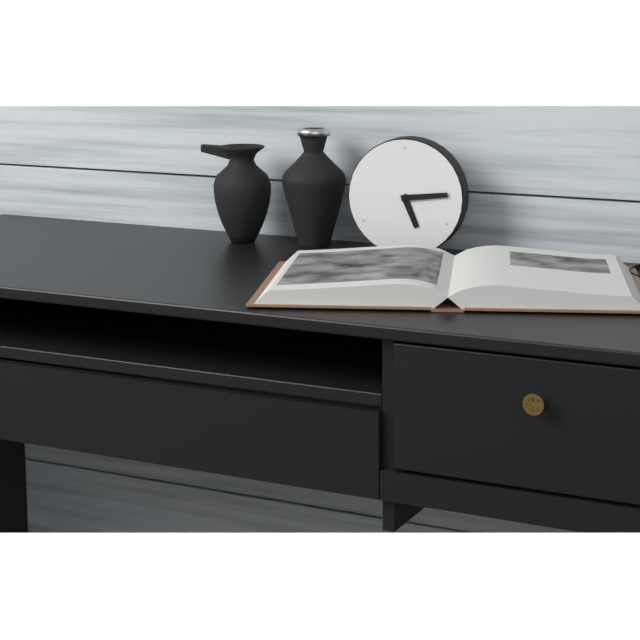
h=5 m=14
